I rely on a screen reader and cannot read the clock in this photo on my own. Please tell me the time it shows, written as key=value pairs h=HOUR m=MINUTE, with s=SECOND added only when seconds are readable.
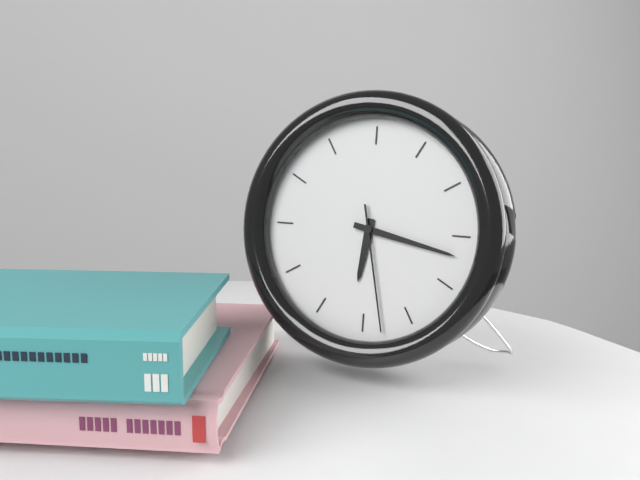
h=6 m=17 s=28
